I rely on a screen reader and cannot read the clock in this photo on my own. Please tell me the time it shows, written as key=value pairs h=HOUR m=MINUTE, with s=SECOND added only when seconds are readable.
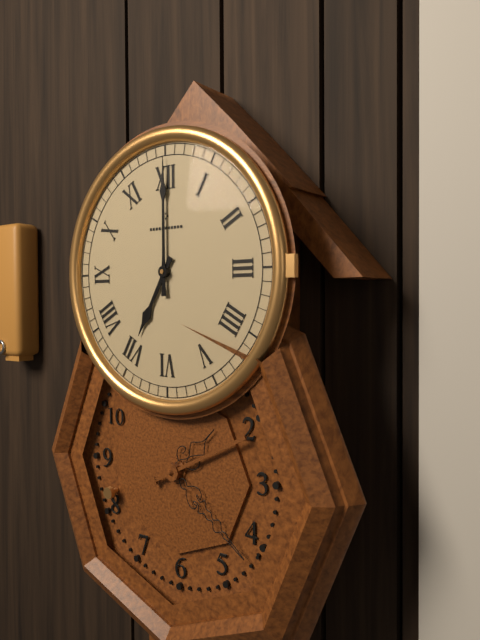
h=7 m=0
